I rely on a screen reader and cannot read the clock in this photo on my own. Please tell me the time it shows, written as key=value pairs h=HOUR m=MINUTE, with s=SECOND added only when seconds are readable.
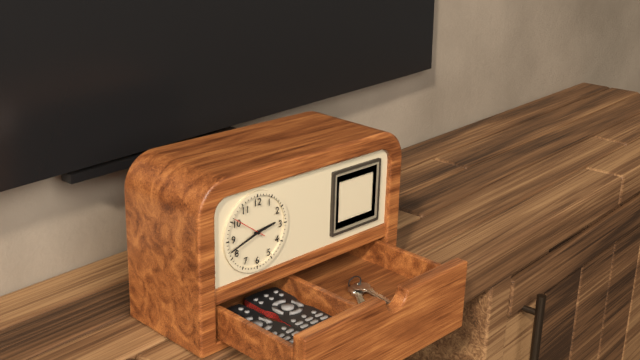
h=2 m=42
